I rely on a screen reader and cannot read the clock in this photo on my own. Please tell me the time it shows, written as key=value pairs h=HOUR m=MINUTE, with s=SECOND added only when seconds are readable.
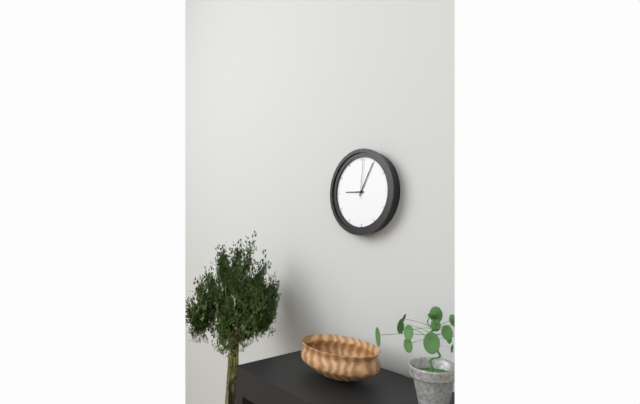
h=9 m=5
